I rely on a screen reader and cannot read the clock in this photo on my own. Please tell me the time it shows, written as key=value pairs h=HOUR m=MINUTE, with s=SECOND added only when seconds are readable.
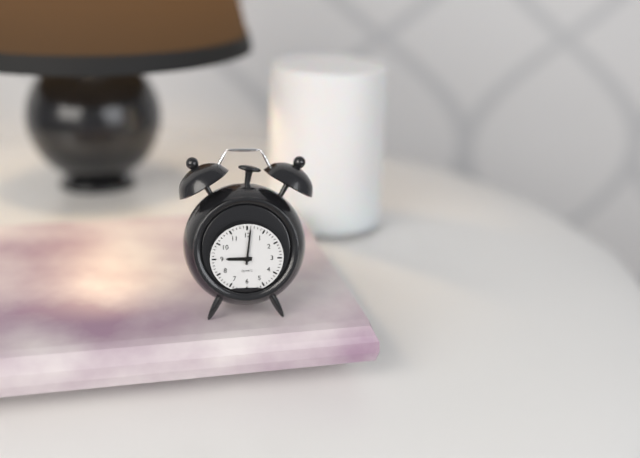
h=9 m=1
